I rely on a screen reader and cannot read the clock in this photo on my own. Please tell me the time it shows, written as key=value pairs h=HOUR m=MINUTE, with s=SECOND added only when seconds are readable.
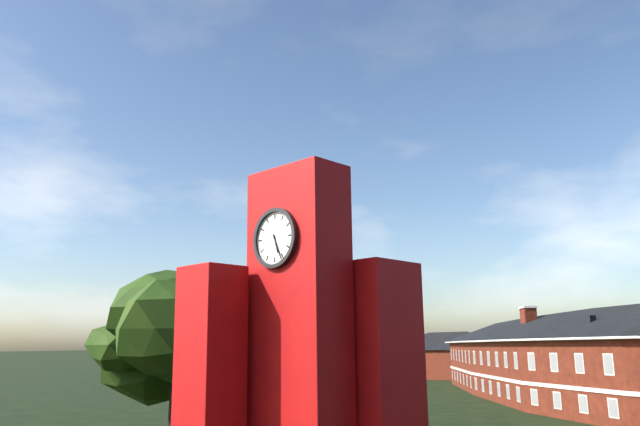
h=5 m=26
